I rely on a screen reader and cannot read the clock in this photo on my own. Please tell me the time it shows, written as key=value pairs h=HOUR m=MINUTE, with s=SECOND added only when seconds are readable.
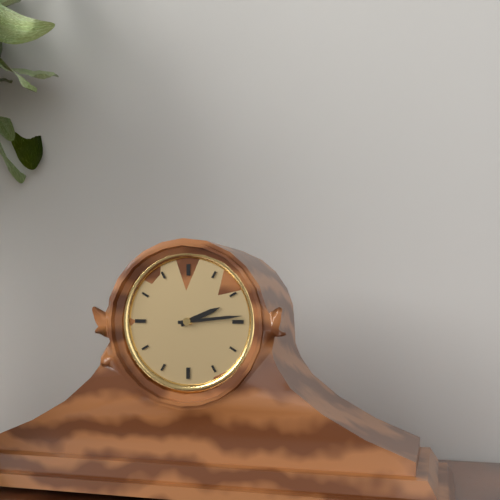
h=2 m=14
